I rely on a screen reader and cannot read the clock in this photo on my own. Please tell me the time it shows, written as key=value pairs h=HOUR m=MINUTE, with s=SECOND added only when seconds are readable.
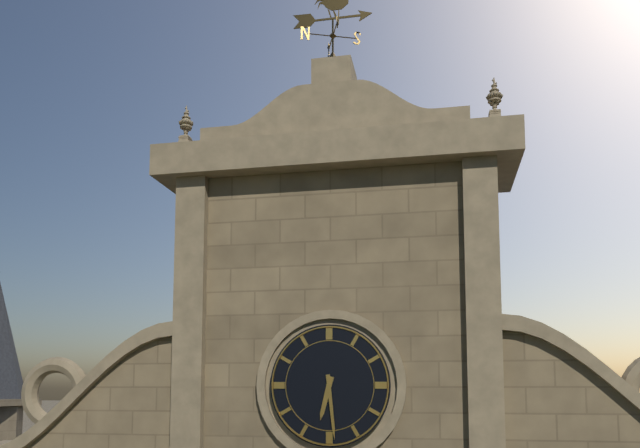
h=6 m=29
